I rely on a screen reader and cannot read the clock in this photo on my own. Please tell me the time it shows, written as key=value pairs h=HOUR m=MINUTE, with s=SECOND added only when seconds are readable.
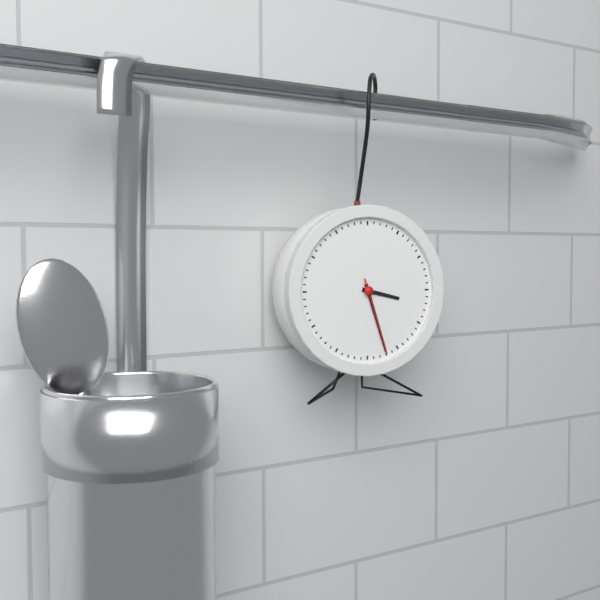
h=3 m=27 s=27
